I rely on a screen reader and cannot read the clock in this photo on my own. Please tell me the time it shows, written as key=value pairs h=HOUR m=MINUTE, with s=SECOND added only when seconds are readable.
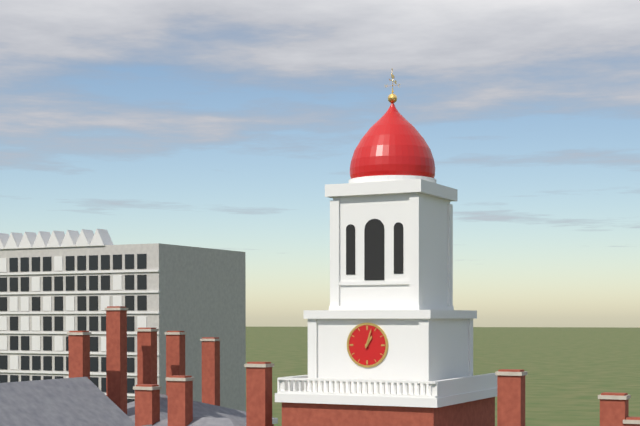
h=1 m=3
